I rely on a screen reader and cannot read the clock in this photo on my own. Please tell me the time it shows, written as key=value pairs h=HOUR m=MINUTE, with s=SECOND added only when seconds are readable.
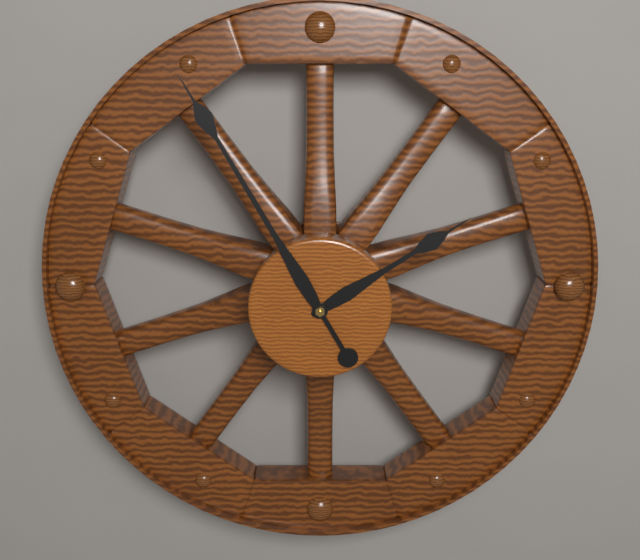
h=1 m=55
